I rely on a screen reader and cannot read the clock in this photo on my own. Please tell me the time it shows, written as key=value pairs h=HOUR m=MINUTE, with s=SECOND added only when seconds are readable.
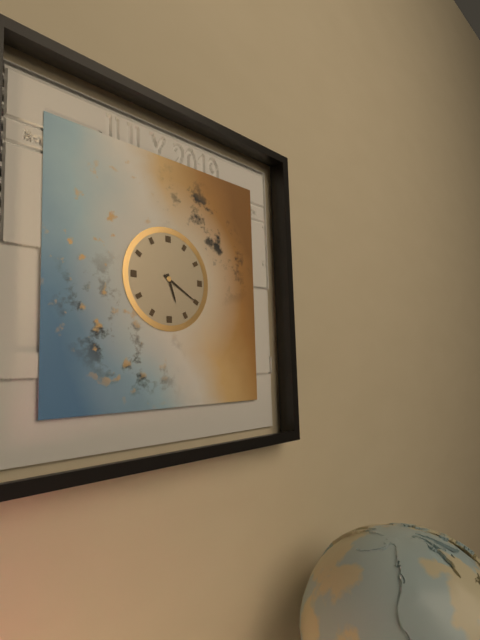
h=5 m=20
